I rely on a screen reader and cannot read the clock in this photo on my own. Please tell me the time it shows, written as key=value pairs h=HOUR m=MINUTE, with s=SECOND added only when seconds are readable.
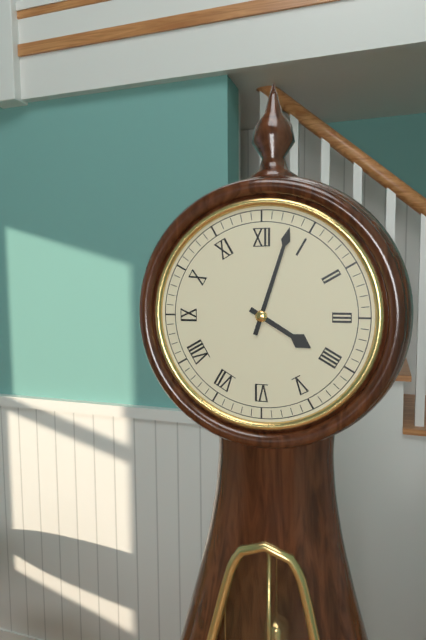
h=4 m=3
